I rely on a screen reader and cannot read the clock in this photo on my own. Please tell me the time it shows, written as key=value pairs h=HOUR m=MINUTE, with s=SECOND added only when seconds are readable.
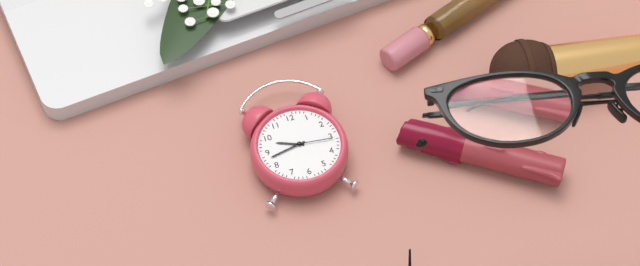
h=9 m=43 s=16
